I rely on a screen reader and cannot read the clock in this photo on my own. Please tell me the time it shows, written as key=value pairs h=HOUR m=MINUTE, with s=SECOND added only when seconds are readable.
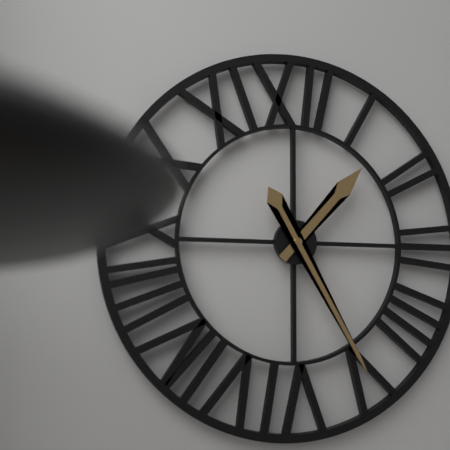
h=1 m=25
